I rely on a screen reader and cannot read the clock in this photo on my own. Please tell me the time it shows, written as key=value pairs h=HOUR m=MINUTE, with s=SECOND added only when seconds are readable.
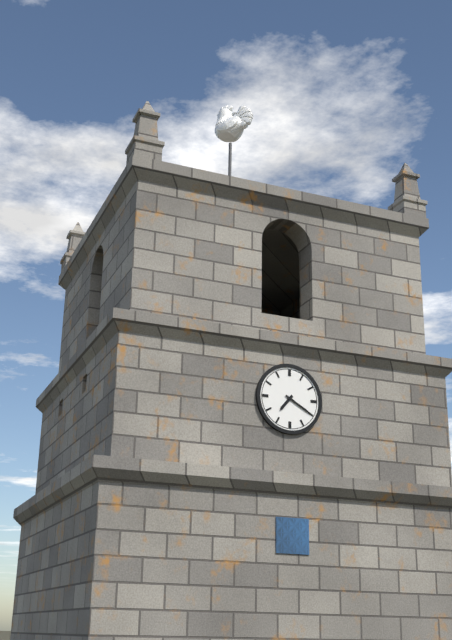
h=7 m=20
